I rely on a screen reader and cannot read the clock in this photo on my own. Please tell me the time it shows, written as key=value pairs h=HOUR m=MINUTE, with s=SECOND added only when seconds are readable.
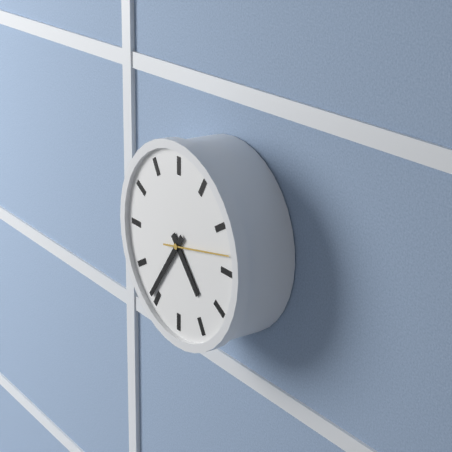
h=4 m=36 s=13
